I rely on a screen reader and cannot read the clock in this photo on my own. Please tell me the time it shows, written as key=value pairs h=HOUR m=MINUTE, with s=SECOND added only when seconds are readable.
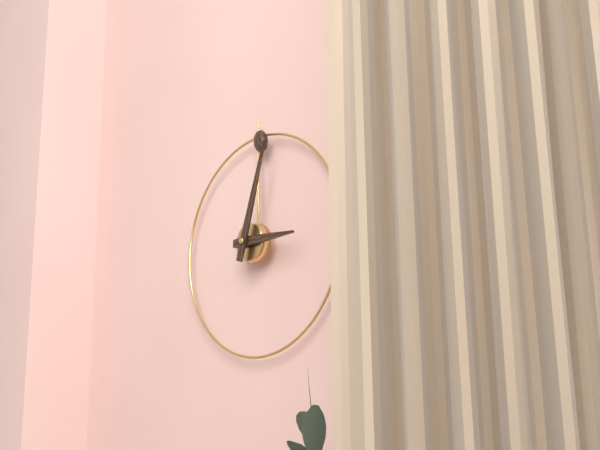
h=3 m=3
